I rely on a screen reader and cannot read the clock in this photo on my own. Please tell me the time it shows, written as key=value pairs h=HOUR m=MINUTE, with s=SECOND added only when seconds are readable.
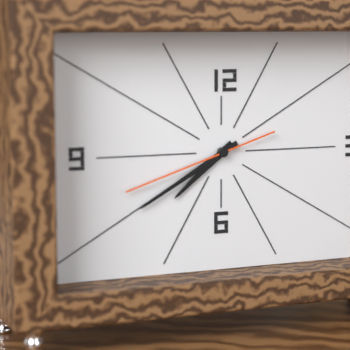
h=7 m=40 s=42
